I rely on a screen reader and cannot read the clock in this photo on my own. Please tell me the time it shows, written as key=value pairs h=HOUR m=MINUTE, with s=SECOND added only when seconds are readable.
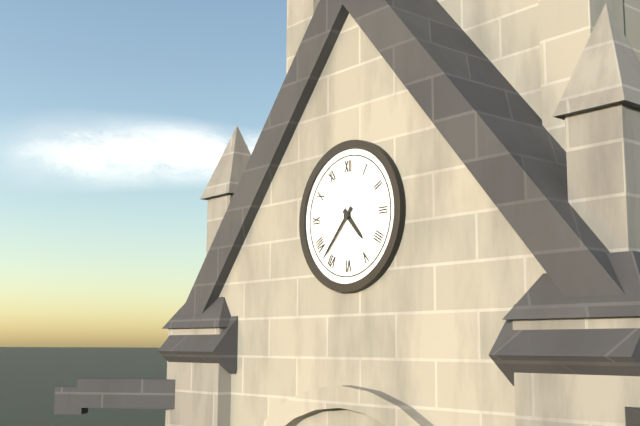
h=4 m=37
